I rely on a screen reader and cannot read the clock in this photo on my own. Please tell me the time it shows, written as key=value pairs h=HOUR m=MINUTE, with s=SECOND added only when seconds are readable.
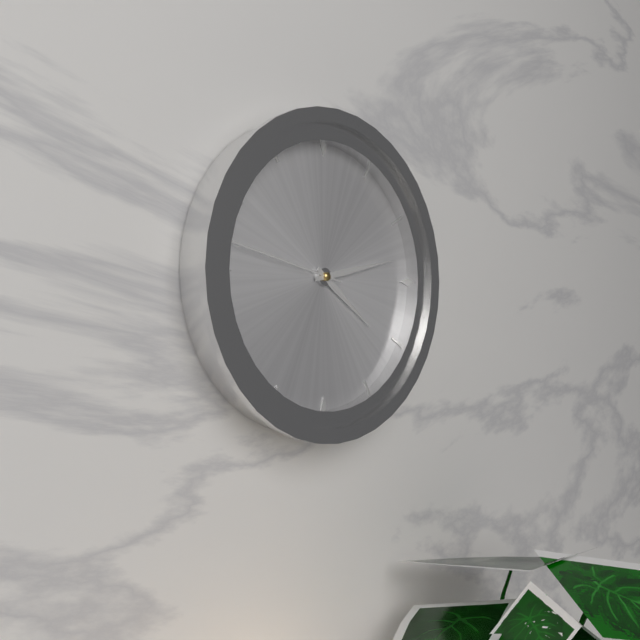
h=4 m=13 s=47
